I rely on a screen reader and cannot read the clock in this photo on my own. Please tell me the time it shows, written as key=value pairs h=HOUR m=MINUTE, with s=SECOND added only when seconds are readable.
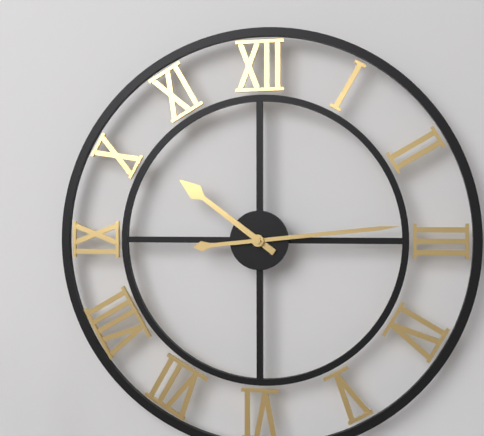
h=10 m=14
